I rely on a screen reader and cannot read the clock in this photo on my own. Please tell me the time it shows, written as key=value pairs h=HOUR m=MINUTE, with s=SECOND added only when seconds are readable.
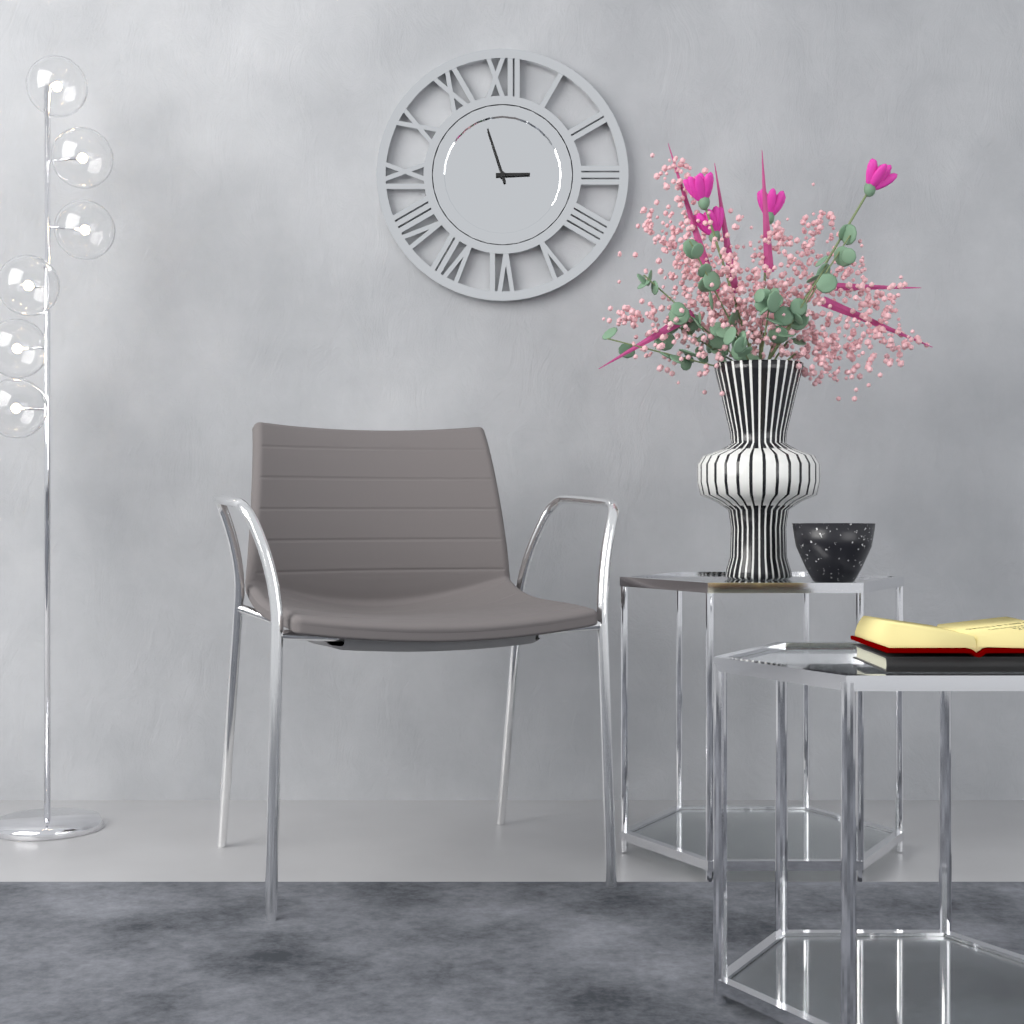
h=2 m=57
